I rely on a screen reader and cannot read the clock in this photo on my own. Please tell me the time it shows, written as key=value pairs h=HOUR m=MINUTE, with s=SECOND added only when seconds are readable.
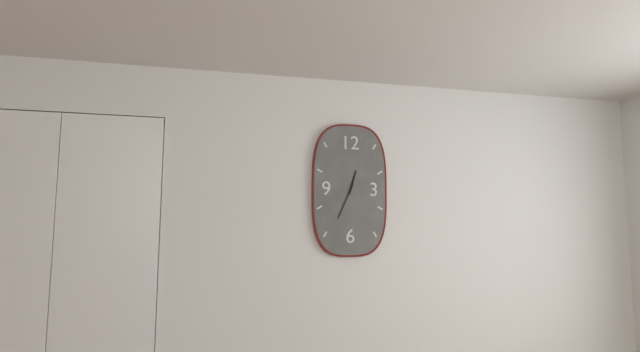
h=12 m=34
